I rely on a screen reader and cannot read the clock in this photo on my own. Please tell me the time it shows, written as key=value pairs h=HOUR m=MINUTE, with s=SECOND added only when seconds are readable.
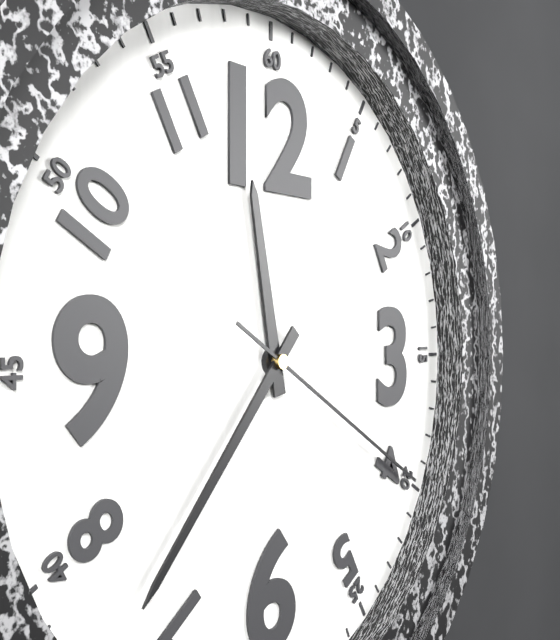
h=11 m=37 s=20
